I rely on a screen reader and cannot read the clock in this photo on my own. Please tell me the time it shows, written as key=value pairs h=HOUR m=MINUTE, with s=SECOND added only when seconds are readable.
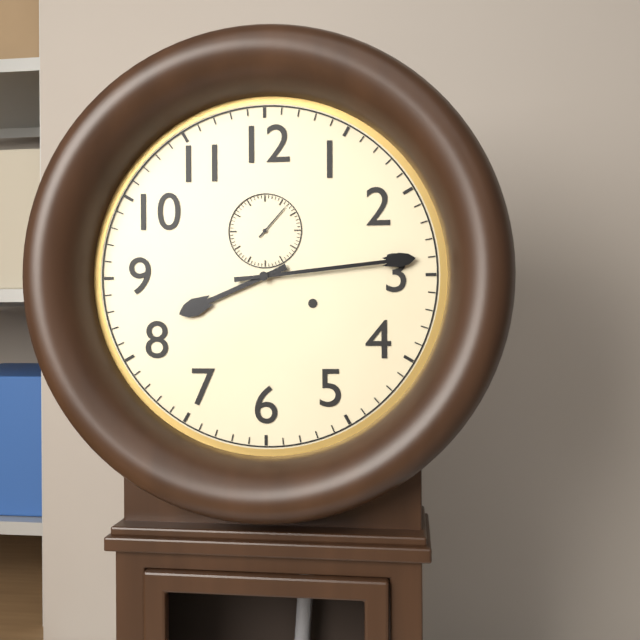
h=8 m=14
